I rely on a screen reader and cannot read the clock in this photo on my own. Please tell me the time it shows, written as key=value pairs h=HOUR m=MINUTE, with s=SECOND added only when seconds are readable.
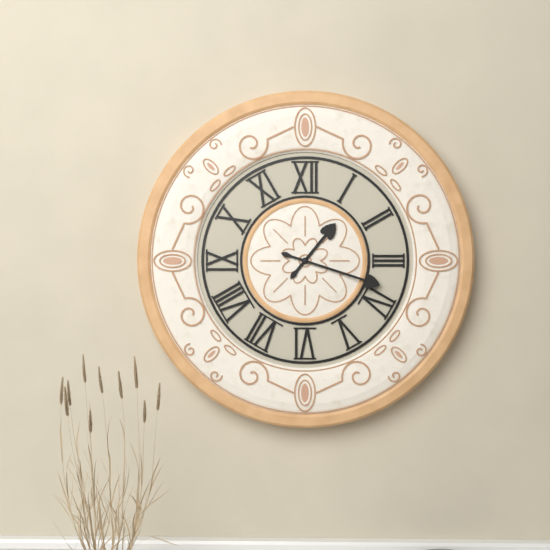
h=1 m=18
